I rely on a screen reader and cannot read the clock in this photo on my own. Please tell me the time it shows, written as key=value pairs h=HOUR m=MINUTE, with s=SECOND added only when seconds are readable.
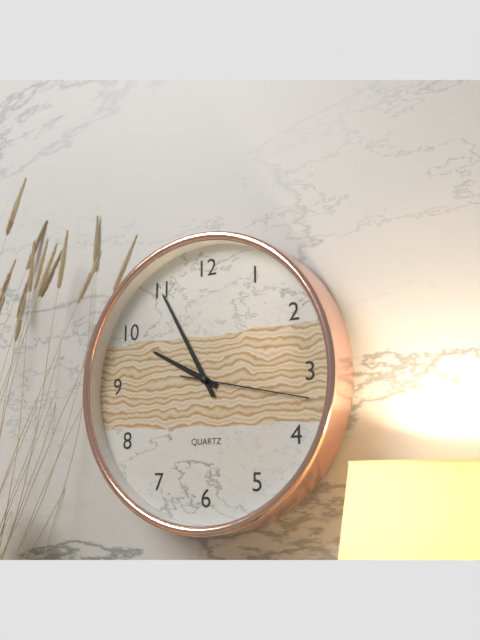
h=9 m=55 s=17
